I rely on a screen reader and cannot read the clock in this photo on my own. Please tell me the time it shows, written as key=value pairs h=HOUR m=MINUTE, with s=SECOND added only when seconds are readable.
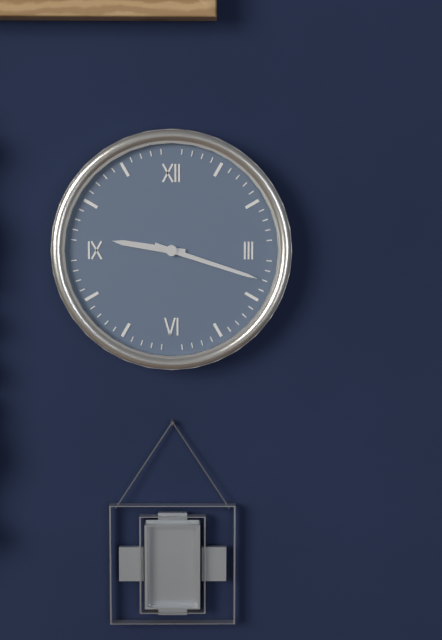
h=9 m=18
